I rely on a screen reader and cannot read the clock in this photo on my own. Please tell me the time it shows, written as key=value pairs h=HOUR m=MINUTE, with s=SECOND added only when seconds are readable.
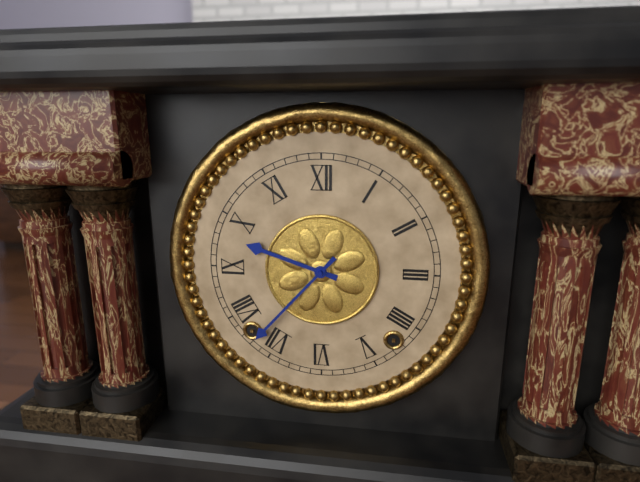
h=9 m=37
